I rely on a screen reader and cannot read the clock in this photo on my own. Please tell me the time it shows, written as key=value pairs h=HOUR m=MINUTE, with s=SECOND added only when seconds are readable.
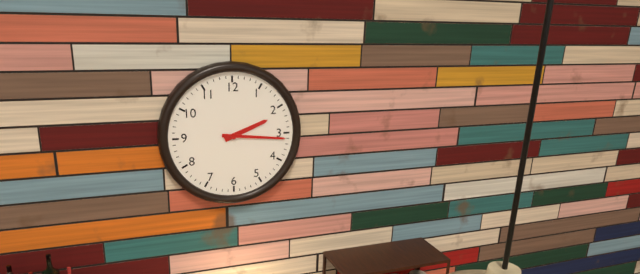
h=2 m=16
